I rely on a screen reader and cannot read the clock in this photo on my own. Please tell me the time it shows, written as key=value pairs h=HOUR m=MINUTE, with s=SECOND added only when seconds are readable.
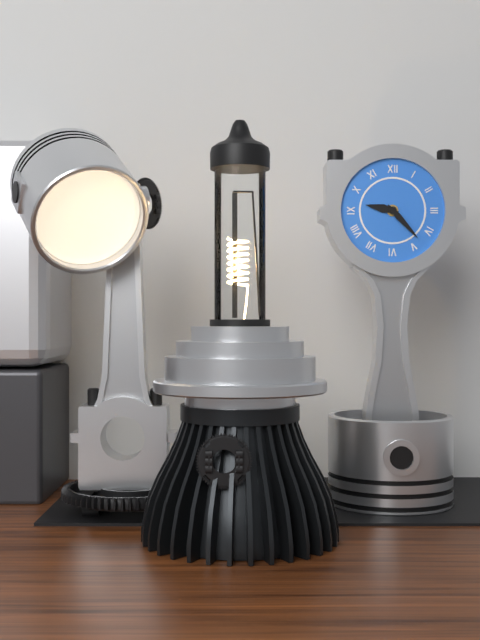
h=9 m=23
